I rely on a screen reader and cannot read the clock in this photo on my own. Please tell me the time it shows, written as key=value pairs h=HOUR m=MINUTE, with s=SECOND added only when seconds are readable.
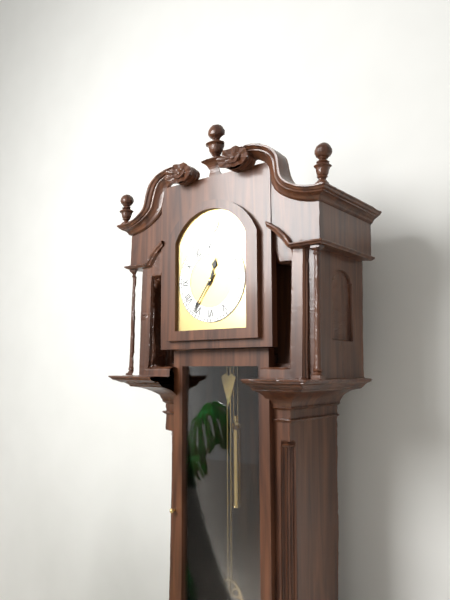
h=12 m=36
